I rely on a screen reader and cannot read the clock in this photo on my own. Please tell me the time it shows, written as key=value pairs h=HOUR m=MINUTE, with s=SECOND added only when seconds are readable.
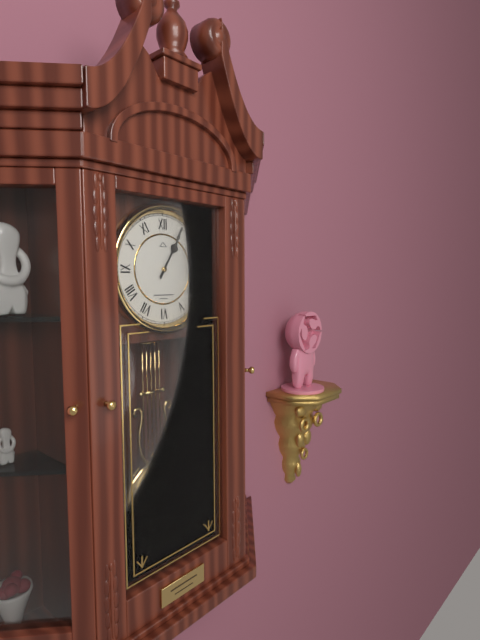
h=1 m=5
